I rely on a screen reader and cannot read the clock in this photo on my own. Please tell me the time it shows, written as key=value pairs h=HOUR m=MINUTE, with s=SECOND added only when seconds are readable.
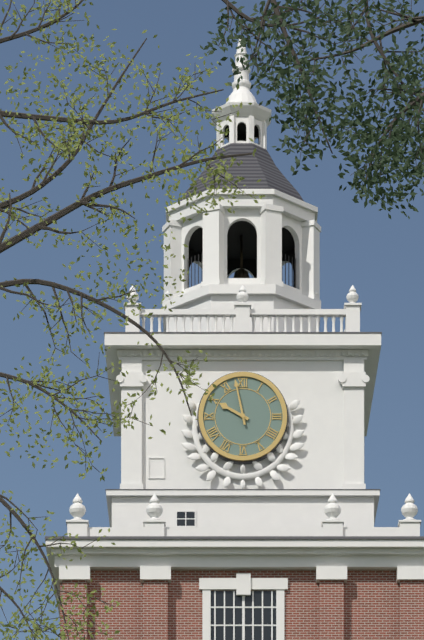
h=9 m=58
